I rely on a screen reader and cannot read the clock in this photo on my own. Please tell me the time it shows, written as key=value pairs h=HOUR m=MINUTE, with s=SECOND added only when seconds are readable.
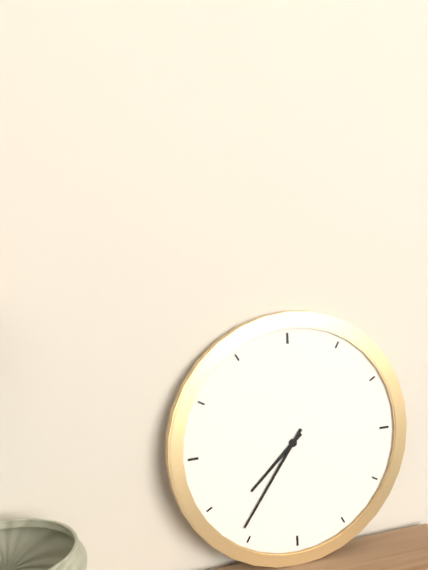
h=7 m=36
